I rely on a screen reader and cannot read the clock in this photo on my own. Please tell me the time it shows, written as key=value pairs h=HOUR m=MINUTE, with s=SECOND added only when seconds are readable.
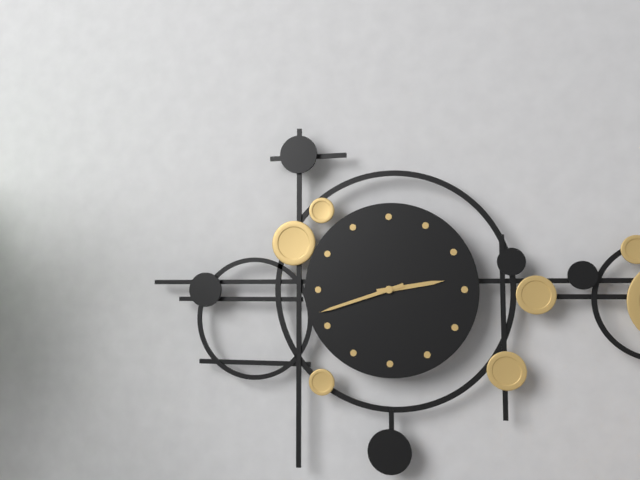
h=2 m=42
